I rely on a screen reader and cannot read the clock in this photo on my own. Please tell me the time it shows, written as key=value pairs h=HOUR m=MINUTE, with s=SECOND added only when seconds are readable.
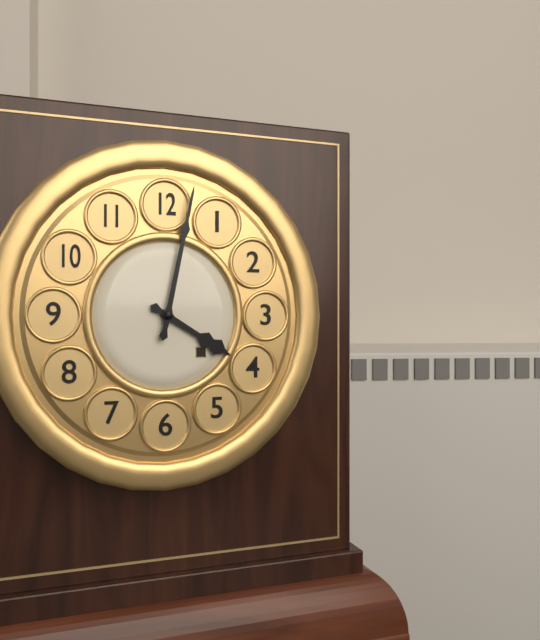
h=4 m=2
